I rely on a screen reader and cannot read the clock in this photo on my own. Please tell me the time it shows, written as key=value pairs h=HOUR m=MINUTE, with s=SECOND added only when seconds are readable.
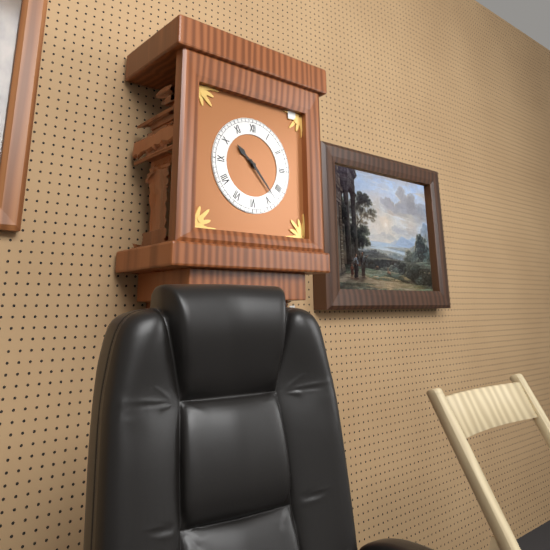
h=10 m=23
